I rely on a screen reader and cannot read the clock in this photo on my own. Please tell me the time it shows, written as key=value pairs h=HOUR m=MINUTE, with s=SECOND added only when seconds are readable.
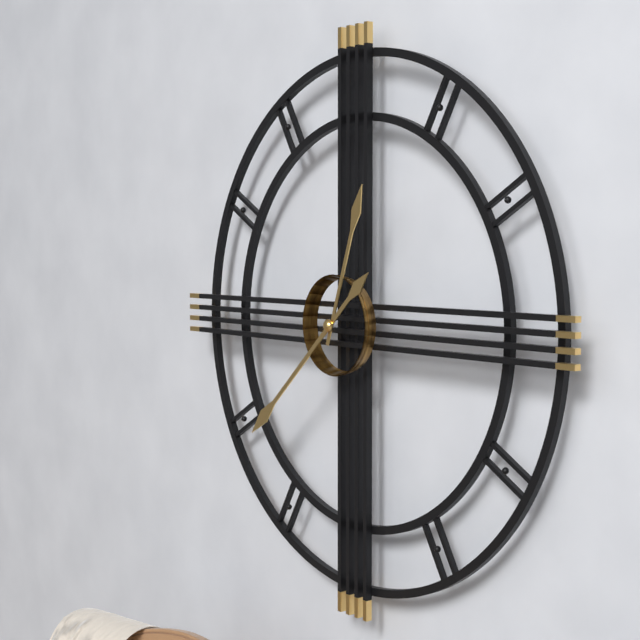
h=12 m=38
